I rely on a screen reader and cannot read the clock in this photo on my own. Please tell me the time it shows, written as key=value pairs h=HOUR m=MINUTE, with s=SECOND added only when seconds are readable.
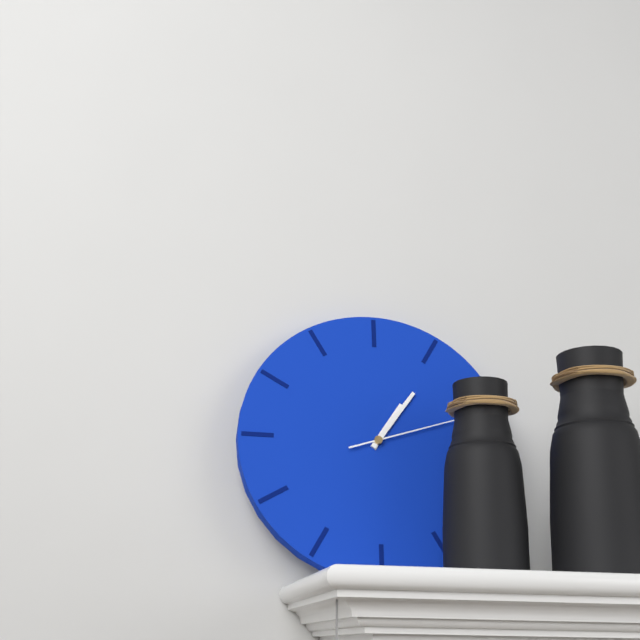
h=1 m=6 s=12
